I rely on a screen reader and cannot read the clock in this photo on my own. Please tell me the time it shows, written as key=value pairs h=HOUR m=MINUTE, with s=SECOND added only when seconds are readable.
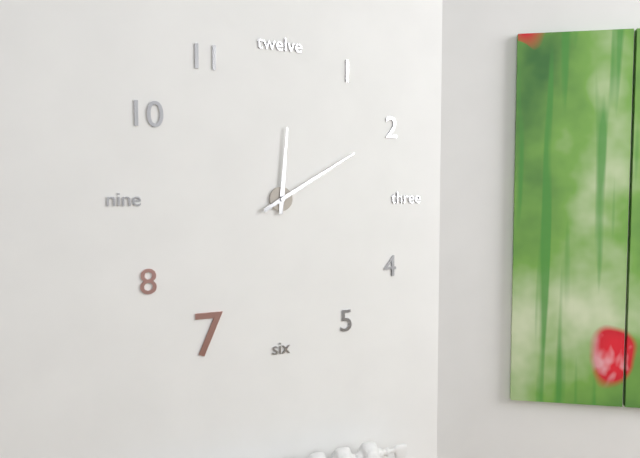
h=12 m=10
